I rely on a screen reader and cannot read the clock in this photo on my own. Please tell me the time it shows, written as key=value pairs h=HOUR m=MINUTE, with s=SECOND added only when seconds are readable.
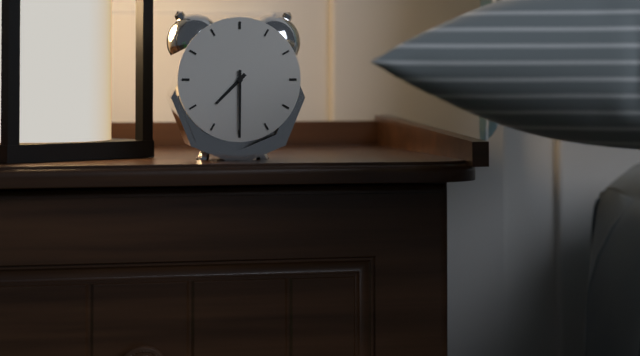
h=7 m=30
